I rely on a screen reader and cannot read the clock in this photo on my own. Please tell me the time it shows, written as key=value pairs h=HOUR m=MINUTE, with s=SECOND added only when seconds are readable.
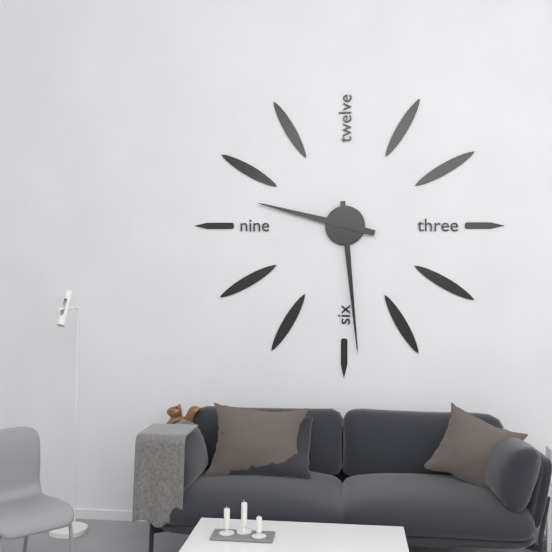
h=9 m=29
